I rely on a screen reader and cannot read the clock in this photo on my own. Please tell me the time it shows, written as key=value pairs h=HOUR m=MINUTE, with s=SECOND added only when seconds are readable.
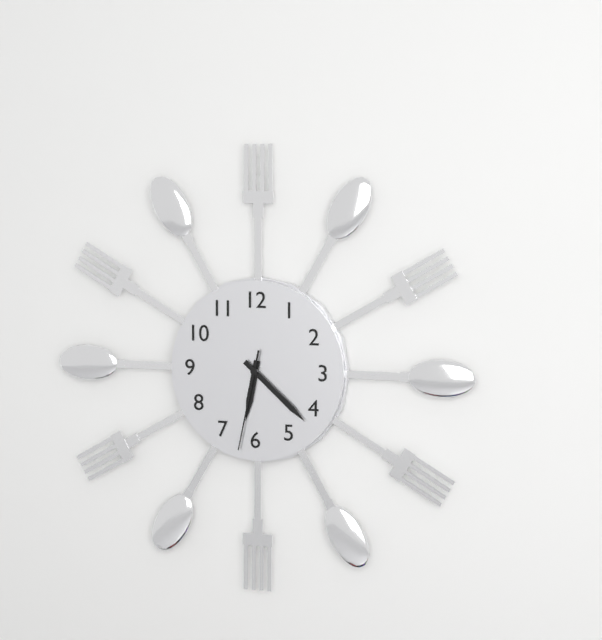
h=6 m=22 s=32
